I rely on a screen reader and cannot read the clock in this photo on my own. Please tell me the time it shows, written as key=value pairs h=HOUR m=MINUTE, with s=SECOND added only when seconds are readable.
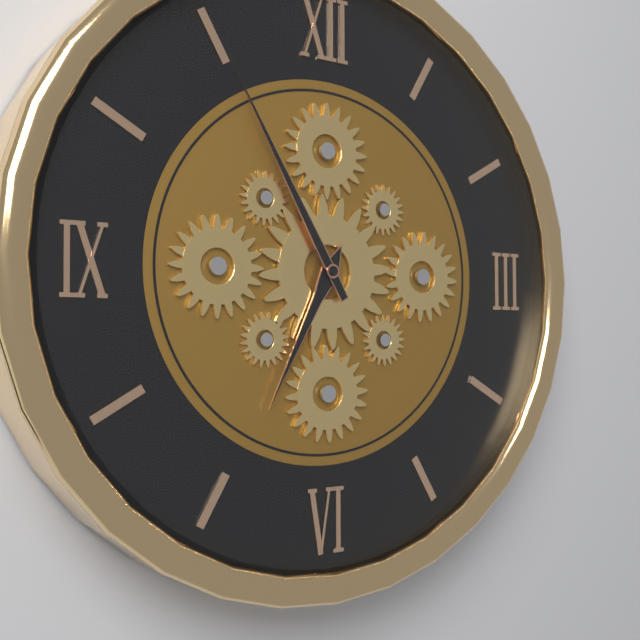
h=6 m=55
